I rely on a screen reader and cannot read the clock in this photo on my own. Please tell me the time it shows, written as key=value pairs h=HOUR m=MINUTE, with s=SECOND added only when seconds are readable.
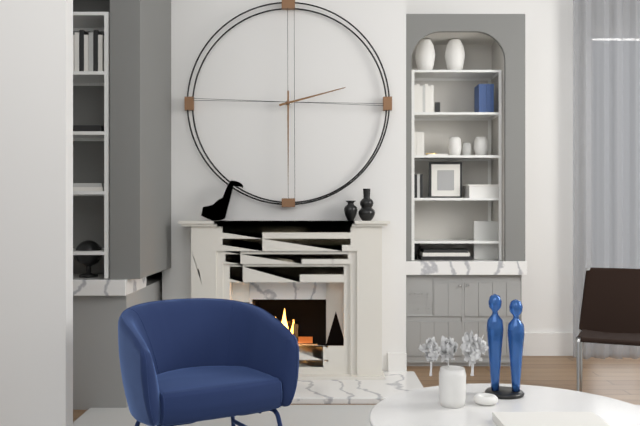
h=2 m=30
